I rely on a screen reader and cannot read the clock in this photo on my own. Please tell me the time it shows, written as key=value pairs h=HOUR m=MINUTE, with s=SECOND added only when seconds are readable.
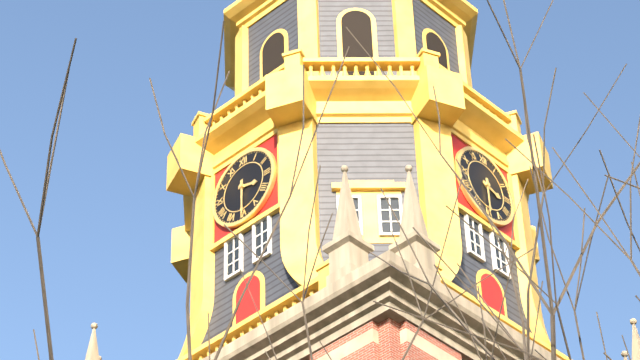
h=3 m=30
